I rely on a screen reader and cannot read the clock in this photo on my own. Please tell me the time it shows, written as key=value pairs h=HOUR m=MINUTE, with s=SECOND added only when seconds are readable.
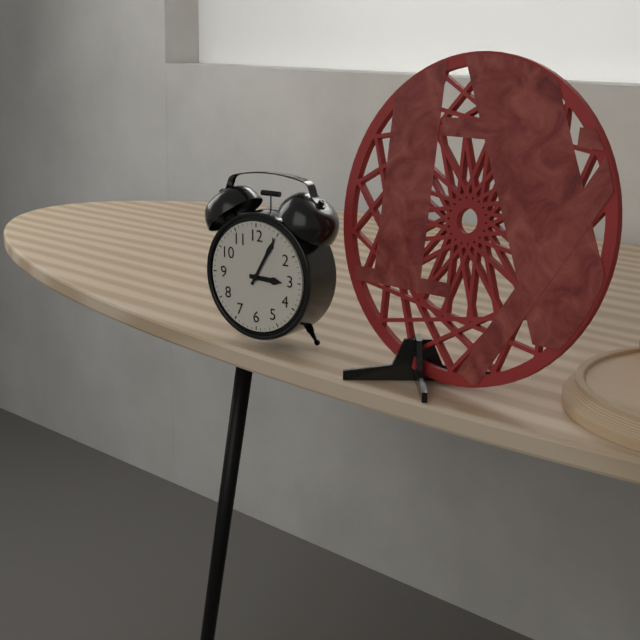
h=3 m=5
